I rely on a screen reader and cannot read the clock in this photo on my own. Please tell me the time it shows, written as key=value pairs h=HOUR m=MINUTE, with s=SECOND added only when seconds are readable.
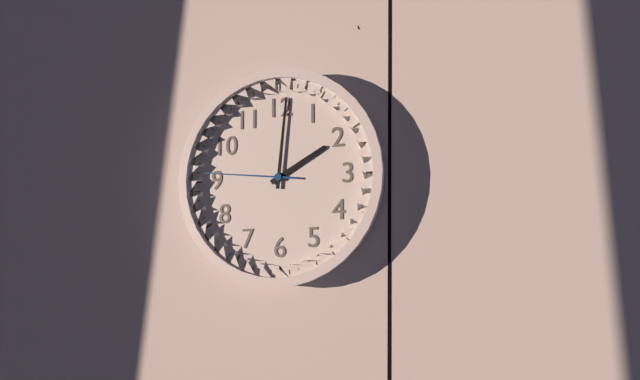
h=2 m=1 s=46
